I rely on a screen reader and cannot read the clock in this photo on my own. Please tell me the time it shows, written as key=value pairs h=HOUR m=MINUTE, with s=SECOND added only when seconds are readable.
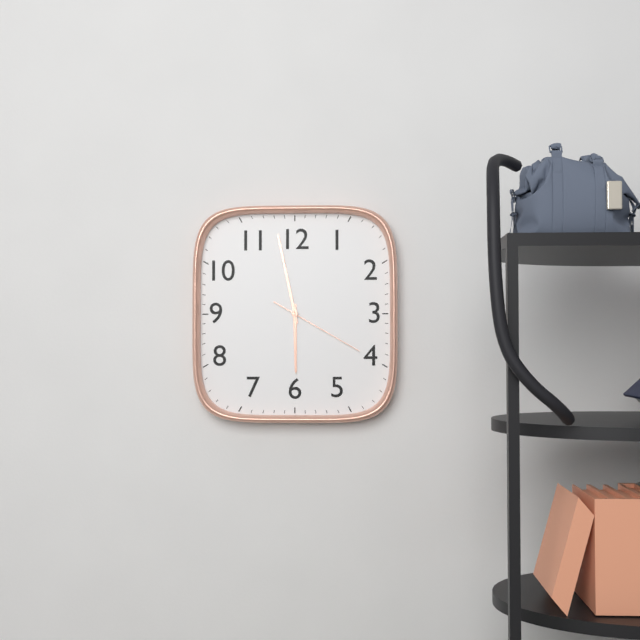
h=5 m=58 s=20
